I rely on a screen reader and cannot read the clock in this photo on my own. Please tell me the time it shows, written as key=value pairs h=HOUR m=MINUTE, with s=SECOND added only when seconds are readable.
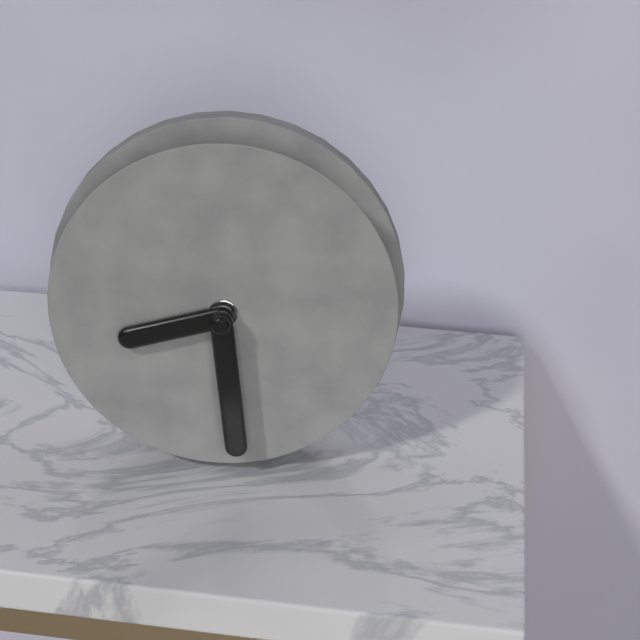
h=8 m=29
